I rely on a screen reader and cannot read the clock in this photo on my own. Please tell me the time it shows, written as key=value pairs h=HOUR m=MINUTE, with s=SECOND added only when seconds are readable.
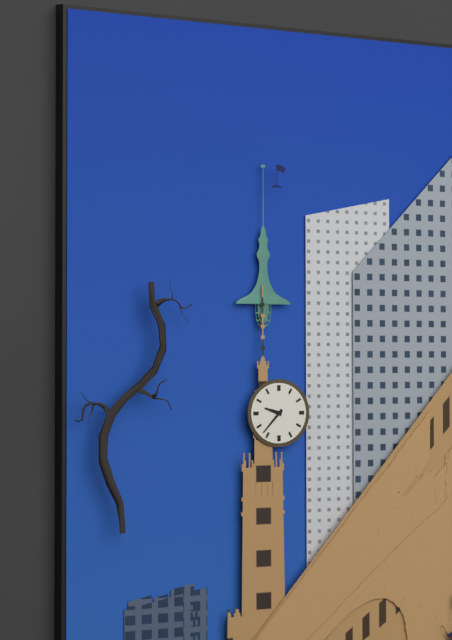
h=9 m=37
